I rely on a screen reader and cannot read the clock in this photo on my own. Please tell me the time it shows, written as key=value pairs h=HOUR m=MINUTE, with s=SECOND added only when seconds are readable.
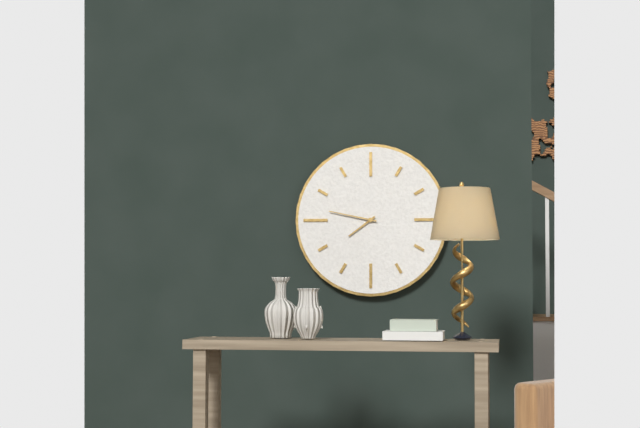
h=7 m=47
